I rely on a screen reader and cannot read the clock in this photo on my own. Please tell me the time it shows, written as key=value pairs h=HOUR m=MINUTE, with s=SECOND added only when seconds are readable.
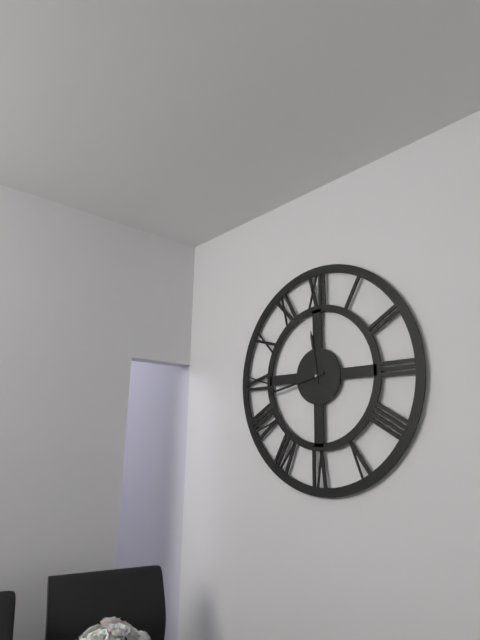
h=11 m=43
